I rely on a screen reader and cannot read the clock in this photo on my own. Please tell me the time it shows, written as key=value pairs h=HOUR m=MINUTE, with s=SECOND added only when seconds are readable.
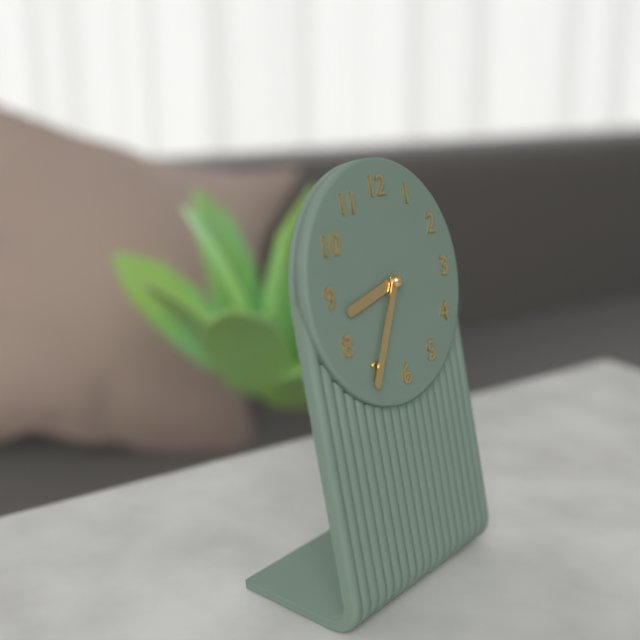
h=8 m=35
